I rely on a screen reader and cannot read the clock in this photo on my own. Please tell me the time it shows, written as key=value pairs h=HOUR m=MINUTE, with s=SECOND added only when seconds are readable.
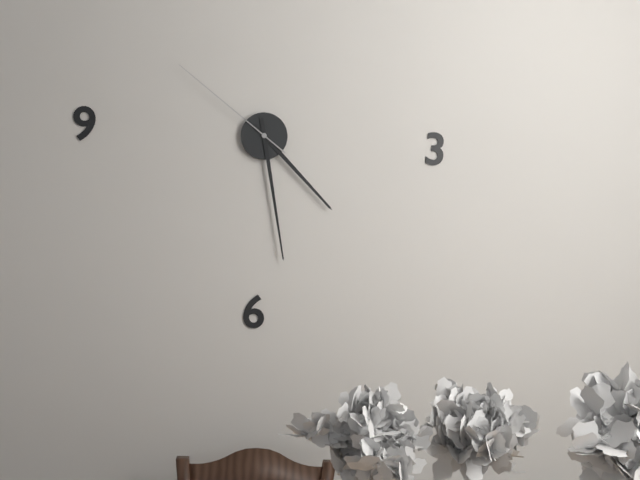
h=4 m=28 s=51
